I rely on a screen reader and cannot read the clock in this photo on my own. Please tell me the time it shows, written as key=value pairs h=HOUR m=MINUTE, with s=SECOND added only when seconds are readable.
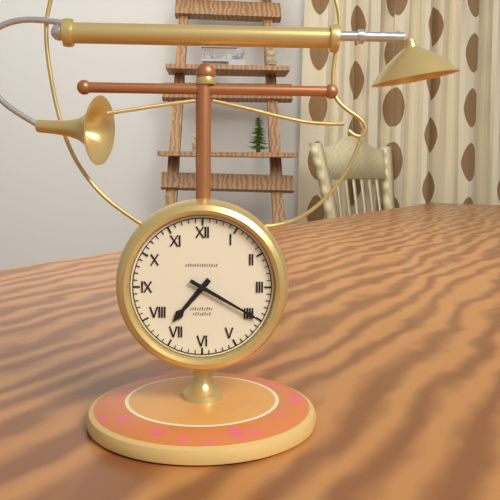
h=7 m=20
